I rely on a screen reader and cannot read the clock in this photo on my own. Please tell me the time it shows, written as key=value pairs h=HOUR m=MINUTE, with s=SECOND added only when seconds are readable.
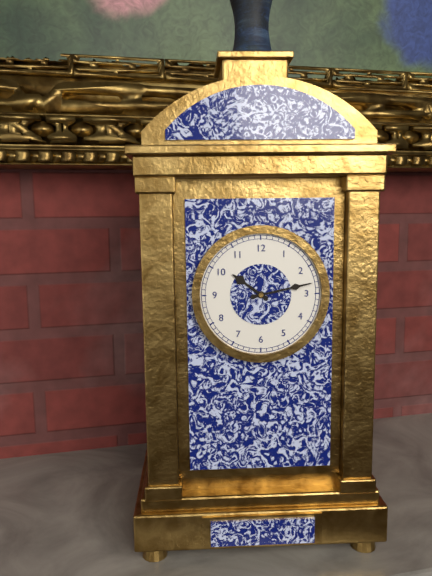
h=10 m=13
